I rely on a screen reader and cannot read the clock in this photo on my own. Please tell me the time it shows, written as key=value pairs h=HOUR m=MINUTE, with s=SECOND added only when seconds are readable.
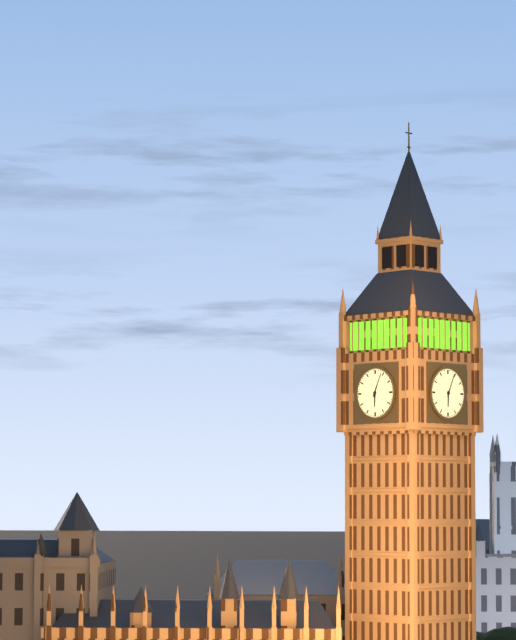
h=6 m=4
